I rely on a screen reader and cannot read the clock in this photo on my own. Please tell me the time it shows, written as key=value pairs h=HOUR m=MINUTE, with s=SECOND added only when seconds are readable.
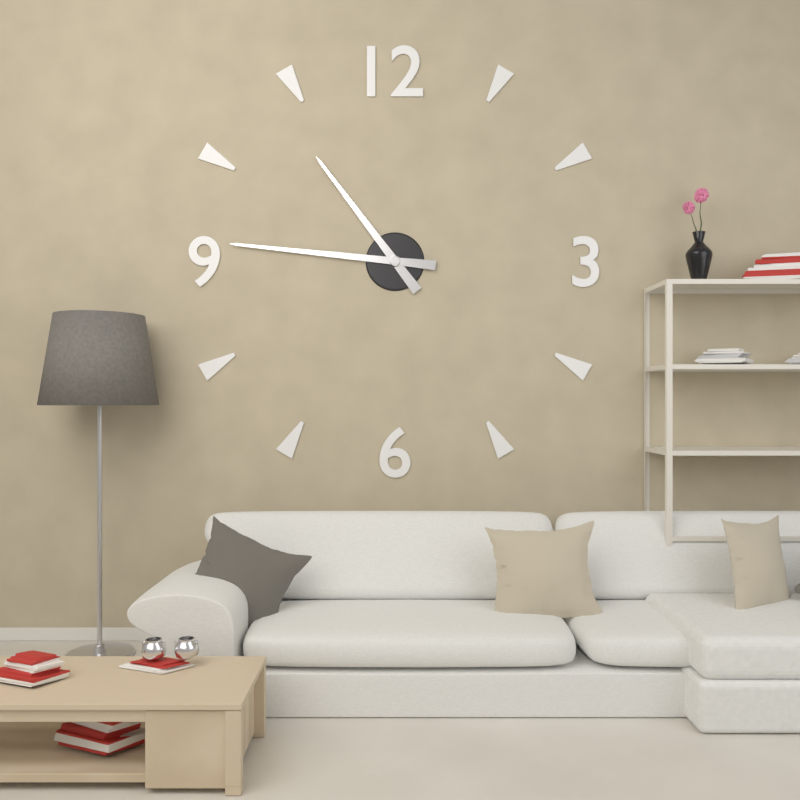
h=10 m=46
